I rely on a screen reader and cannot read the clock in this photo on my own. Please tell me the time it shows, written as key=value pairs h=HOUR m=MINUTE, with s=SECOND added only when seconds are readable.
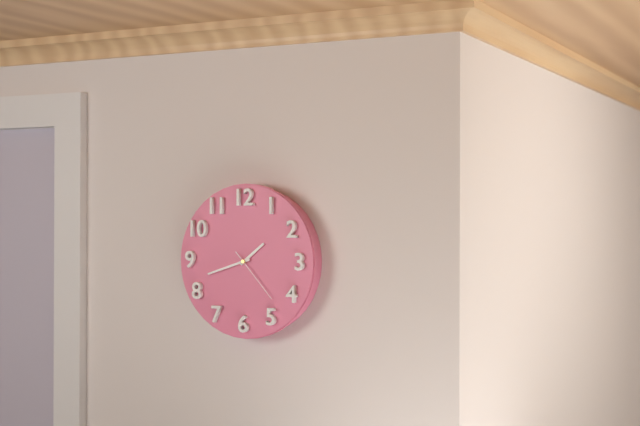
h=1 m=42 s=23
